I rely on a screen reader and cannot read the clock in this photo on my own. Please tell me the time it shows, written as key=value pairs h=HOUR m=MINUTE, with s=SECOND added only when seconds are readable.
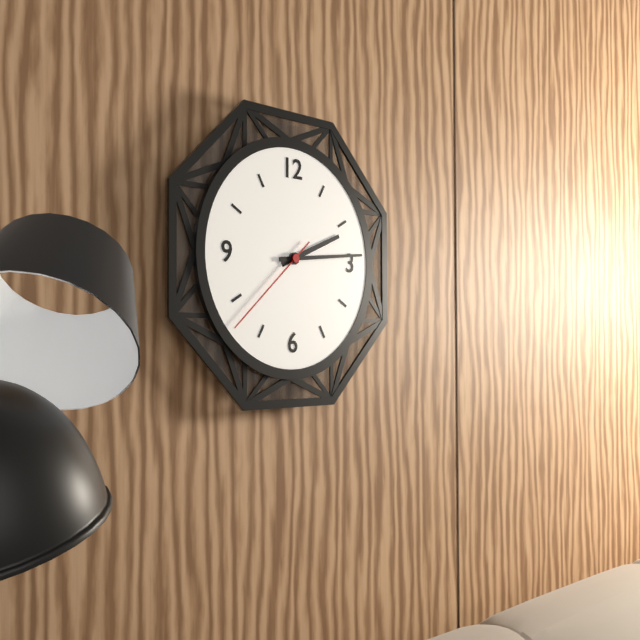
h=2 m=14 s=38
